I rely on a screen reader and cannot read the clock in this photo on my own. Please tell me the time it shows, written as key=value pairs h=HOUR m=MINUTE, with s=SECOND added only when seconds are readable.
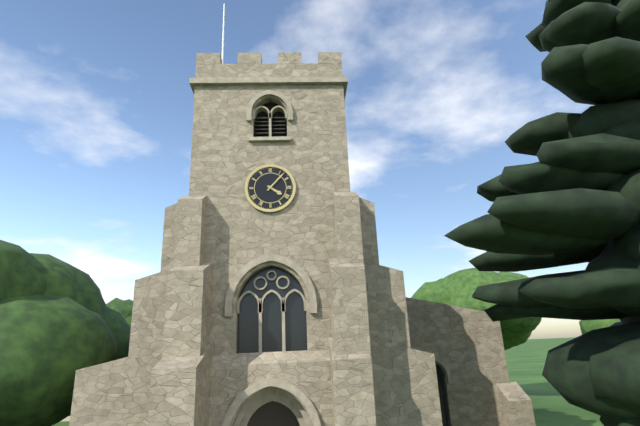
h=4 m=7
